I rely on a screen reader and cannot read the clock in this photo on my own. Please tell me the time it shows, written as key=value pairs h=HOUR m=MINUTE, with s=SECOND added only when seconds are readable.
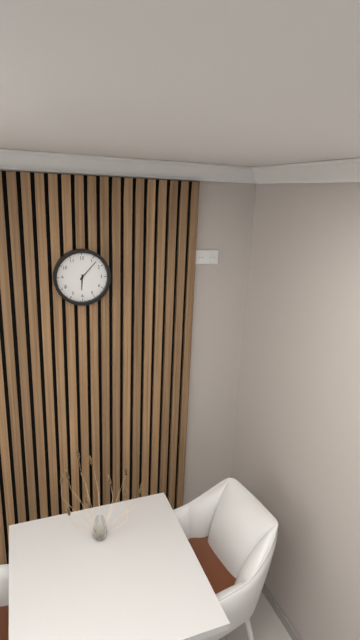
h=6 m=7
